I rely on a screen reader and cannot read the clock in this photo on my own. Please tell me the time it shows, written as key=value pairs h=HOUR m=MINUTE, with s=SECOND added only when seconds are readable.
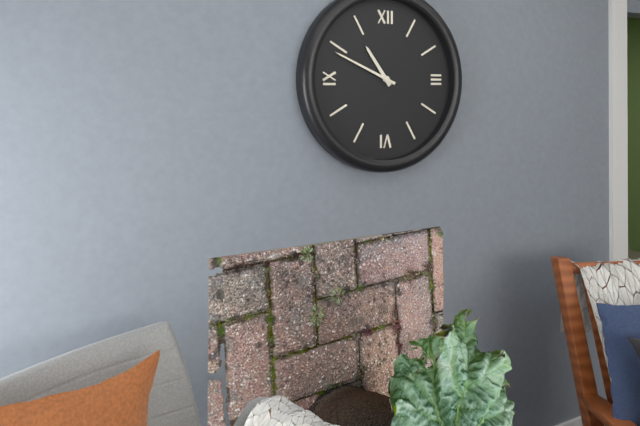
h=10 m=49
